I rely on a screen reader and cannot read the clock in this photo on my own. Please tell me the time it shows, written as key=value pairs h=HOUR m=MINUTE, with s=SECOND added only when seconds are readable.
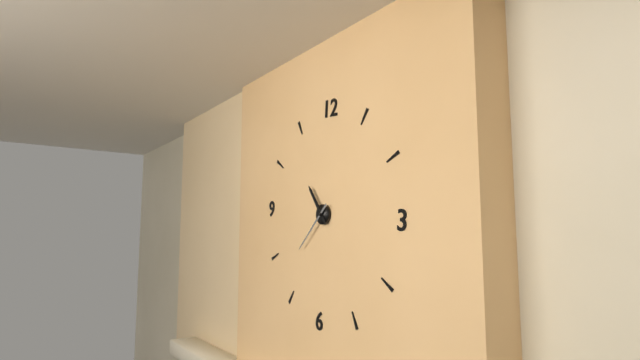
h=10 m=37
